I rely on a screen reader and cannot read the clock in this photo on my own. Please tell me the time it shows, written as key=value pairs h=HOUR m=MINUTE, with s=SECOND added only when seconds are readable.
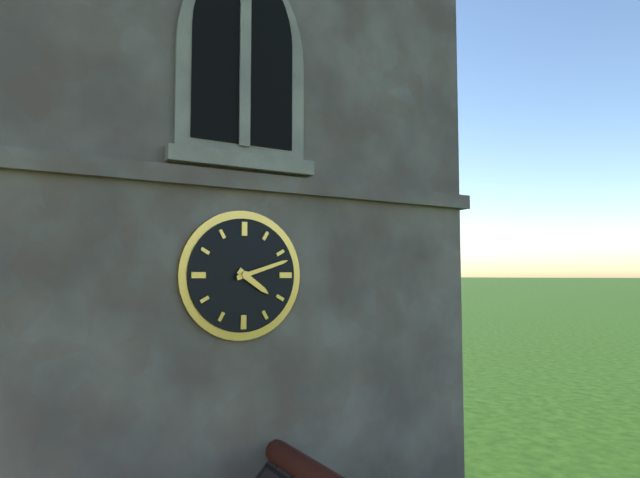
h=4 m=12
